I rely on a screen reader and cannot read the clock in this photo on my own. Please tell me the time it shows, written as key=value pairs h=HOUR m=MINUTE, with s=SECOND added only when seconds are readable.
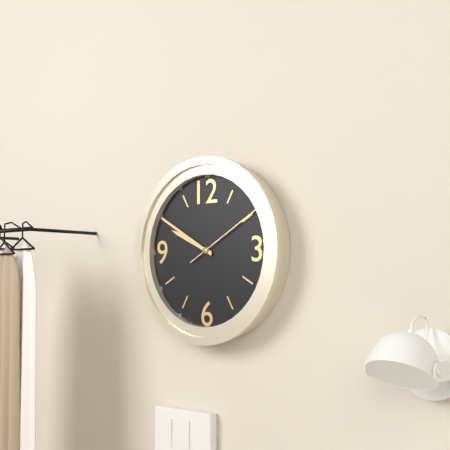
h=9 m=50 s=10
